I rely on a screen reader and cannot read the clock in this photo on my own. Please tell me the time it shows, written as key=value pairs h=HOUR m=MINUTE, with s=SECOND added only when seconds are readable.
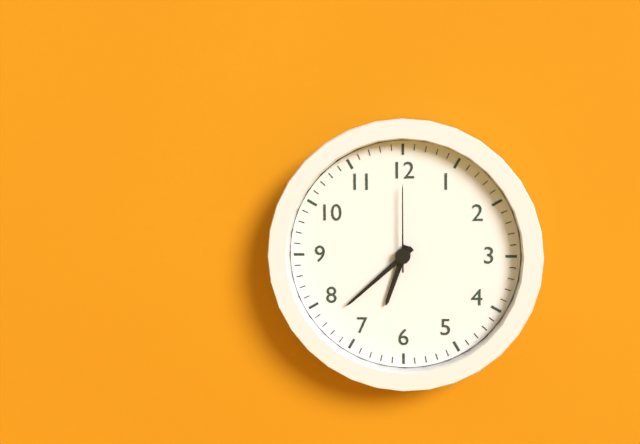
h=6 m=38 s=0
